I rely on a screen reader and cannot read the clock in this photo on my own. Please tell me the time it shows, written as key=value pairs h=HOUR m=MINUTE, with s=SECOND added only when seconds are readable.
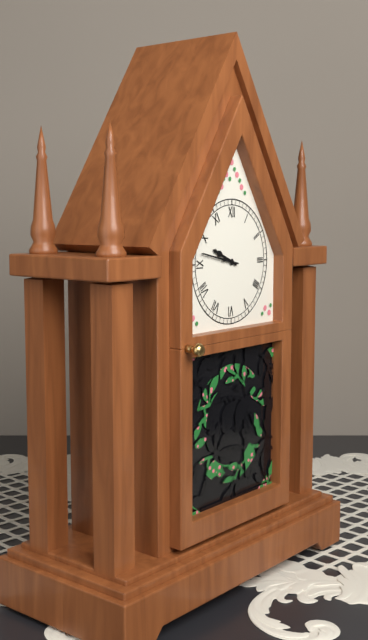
h=9 m=47
